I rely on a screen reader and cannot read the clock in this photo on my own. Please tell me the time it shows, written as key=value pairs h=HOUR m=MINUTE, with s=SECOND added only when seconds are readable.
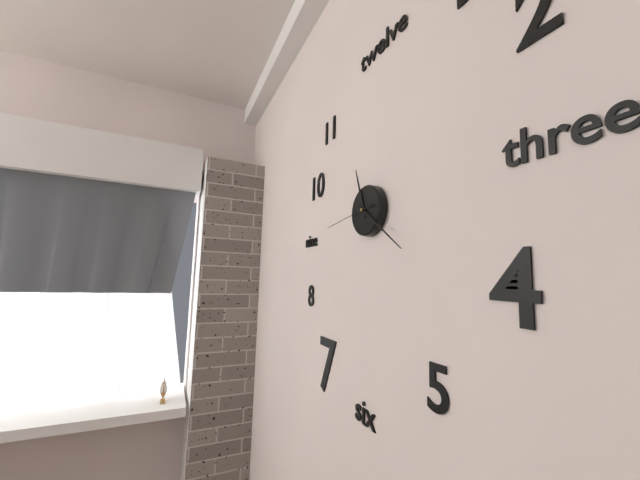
h=11 m=21
